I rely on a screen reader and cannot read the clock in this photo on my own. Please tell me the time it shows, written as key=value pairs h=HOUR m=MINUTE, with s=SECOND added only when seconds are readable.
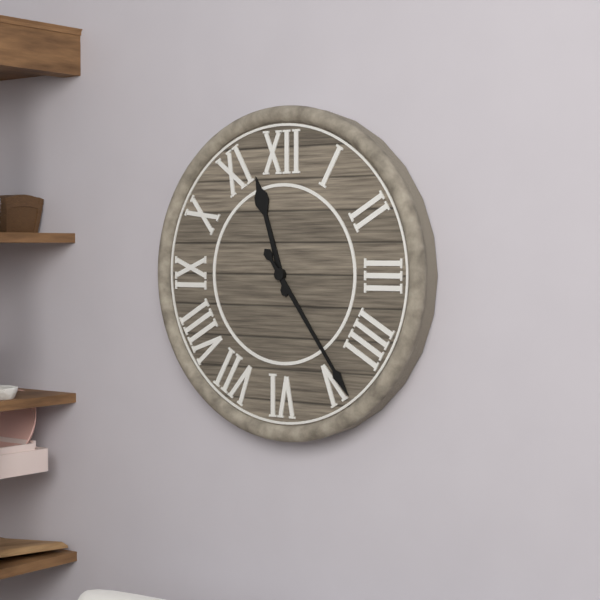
h=11 m=24
